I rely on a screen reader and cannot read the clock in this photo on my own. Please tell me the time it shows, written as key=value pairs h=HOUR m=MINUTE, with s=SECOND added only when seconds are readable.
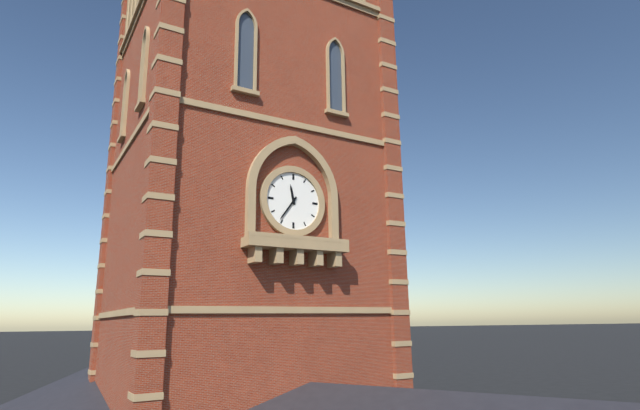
h=11 m=36
